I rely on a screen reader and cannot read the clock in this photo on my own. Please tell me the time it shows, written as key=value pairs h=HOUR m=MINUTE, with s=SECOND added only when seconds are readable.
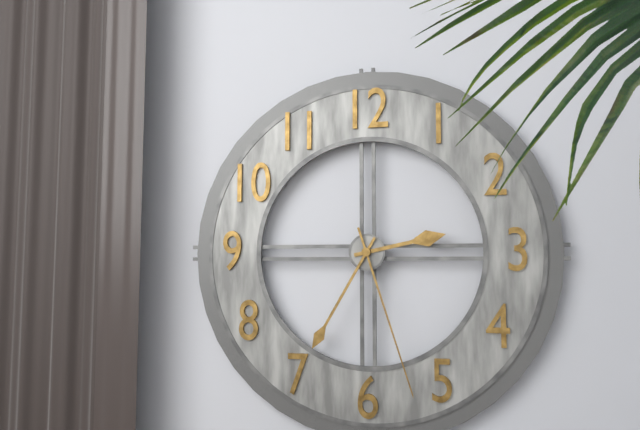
h=2 m=35 s=27
